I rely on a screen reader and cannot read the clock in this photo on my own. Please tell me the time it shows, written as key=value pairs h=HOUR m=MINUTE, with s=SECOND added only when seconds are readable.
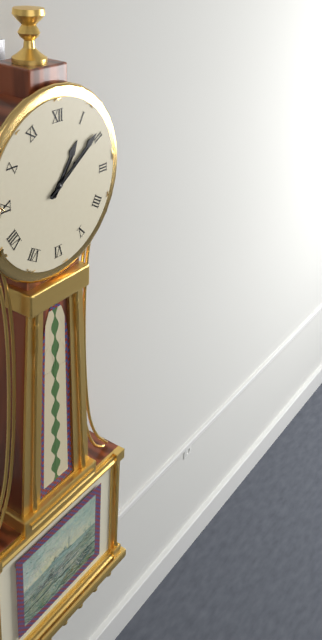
h=1 m=9
